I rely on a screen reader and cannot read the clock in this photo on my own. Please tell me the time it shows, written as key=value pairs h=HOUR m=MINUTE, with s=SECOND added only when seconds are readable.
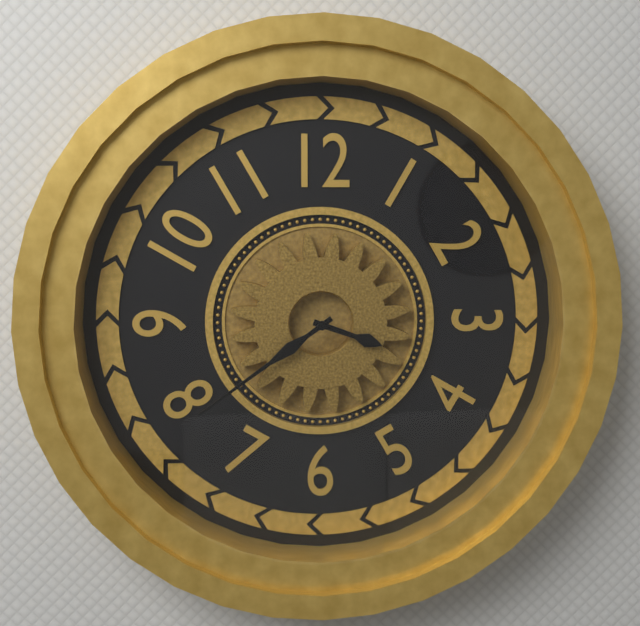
h=3 m=39
